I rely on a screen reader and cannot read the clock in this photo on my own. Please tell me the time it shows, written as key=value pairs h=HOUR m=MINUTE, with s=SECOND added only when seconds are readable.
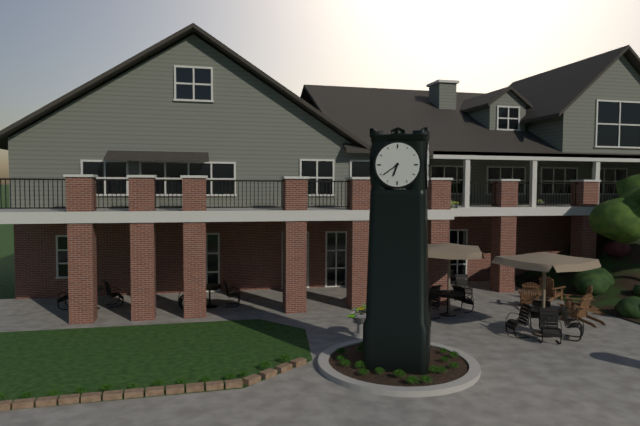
h=6 m=39
